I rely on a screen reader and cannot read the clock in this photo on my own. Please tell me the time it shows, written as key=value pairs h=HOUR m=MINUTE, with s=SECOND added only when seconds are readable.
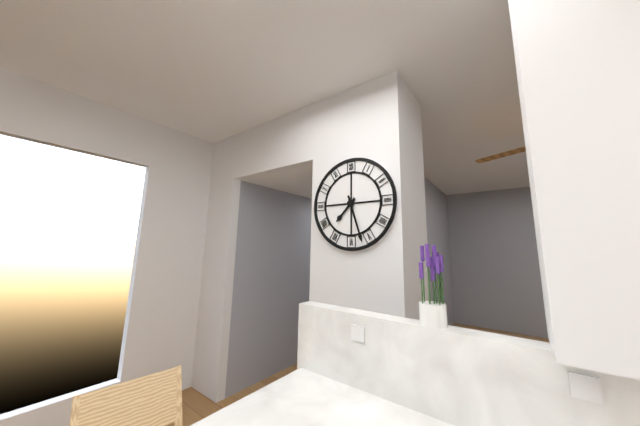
h=7 m=27
